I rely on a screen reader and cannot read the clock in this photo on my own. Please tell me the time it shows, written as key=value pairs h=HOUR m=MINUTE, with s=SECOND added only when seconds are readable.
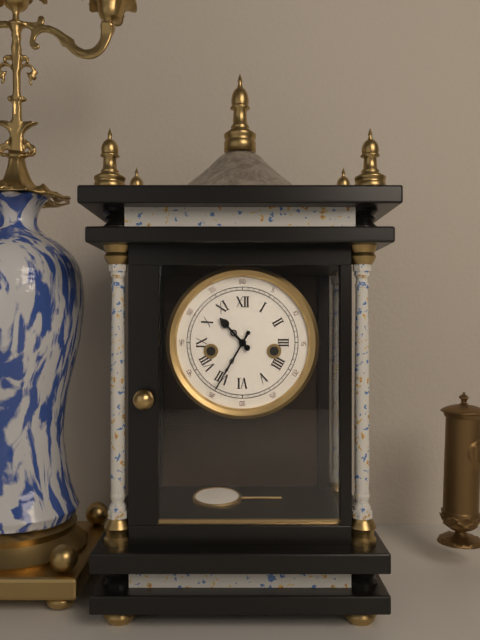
h=10 m=35
